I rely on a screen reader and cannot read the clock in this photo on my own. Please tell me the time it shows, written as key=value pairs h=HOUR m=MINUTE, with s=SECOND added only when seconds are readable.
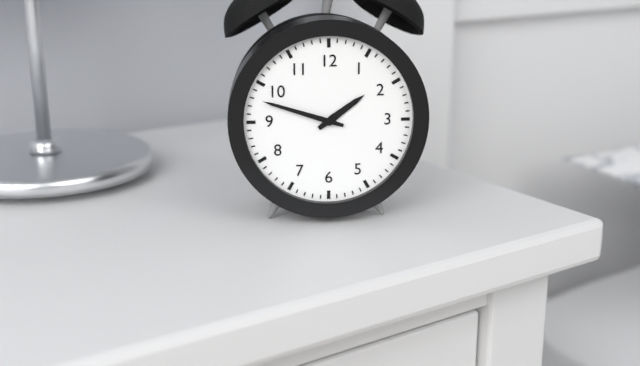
h=1 m=48
